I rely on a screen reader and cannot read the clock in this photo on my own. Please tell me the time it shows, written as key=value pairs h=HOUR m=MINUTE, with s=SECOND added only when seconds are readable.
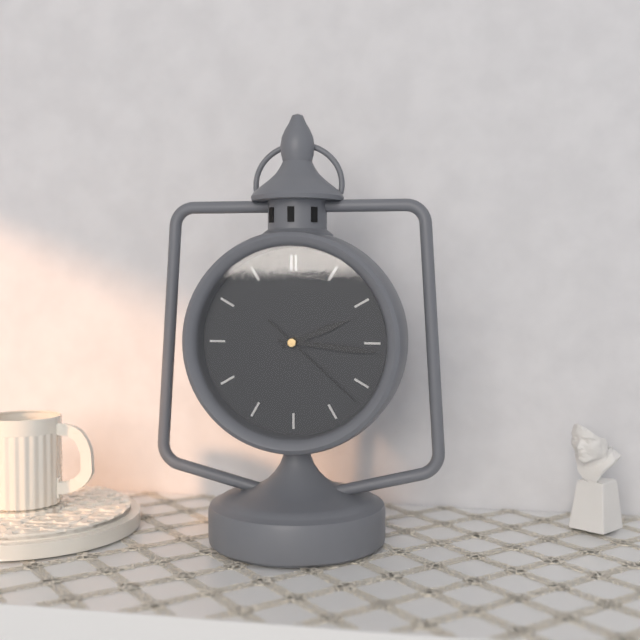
h=2 m=16 s=22
